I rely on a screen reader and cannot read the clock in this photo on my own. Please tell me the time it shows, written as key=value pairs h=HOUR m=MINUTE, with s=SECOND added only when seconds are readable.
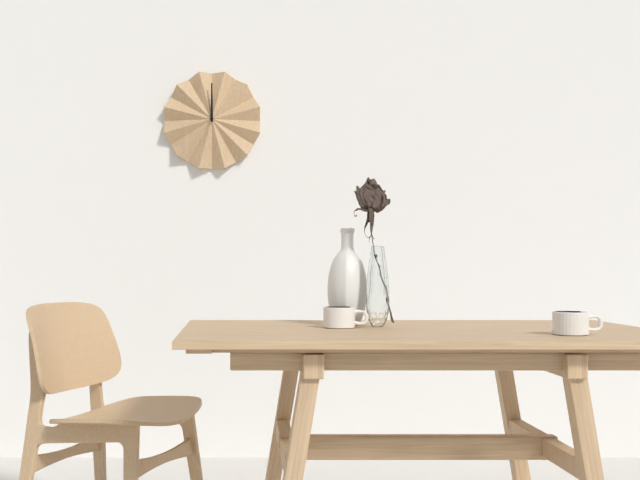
h=12 m=0
